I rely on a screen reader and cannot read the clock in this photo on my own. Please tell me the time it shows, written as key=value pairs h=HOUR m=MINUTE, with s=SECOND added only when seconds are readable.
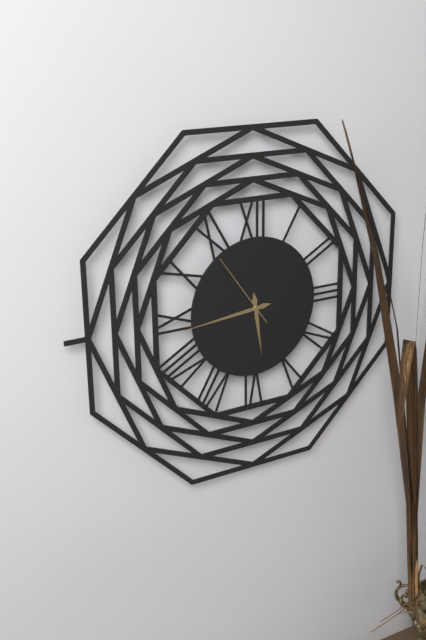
h=5 m=44 s=54
